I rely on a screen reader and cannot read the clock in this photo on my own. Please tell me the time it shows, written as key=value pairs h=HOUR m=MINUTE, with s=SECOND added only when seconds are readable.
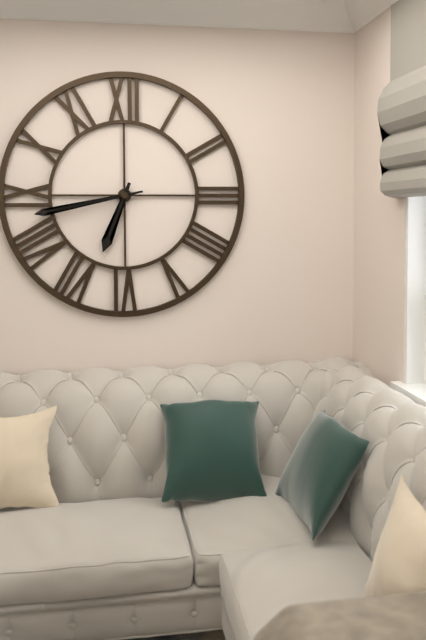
h=6 m=43
